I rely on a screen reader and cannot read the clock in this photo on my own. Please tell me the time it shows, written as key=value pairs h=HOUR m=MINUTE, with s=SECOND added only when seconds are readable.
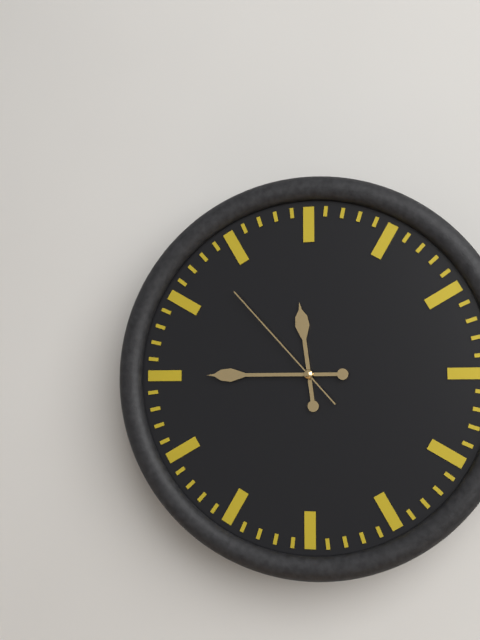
h=11 m=45 s=53
